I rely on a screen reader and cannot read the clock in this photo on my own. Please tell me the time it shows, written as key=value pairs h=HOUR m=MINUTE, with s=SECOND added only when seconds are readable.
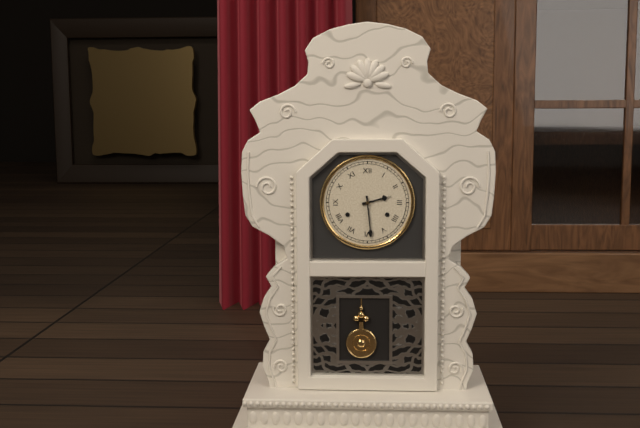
h=2 m=29
